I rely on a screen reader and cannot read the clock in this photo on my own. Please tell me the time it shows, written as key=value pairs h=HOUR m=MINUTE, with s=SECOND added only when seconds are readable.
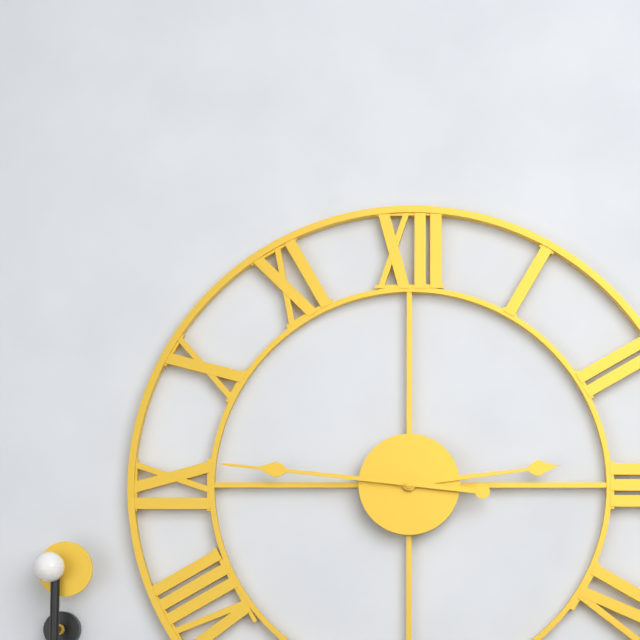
h=2 m=46
